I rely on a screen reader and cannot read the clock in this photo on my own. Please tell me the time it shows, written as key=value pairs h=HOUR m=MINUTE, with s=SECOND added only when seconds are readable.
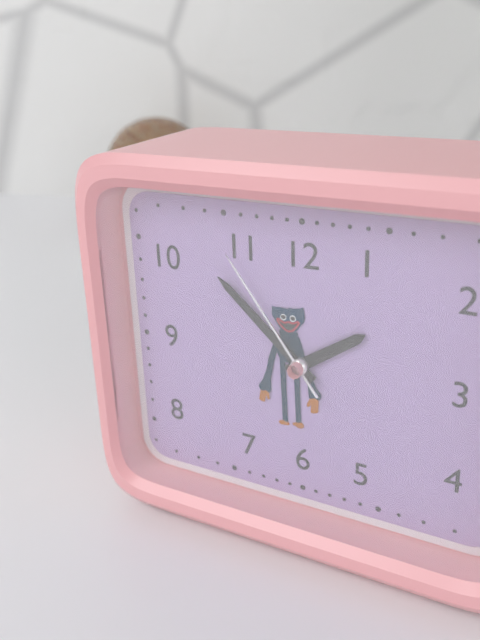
h=1 m=52 s=54
